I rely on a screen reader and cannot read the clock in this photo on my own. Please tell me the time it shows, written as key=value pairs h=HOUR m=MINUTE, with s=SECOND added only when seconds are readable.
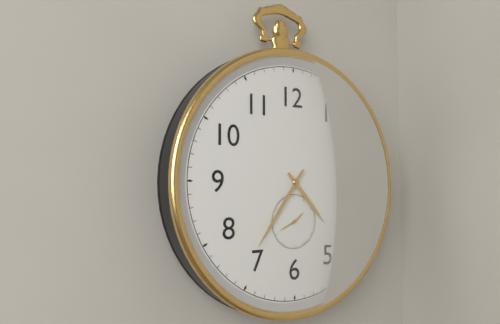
h=4 m=36
